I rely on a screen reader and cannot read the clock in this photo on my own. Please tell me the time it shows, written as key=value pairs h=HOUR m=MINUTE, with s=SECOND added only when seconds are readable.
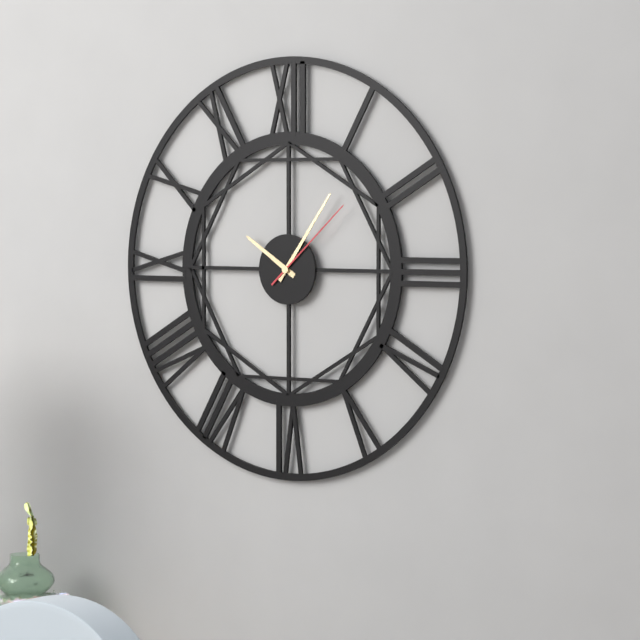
h=10 m=6 s=8
